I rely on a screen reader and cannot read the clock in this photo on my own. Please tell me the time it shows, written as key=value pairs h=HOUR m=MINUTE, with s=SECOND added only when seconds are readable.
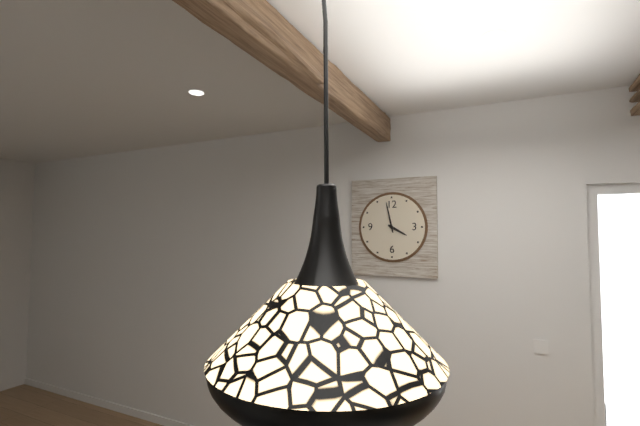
h=3 m=58
